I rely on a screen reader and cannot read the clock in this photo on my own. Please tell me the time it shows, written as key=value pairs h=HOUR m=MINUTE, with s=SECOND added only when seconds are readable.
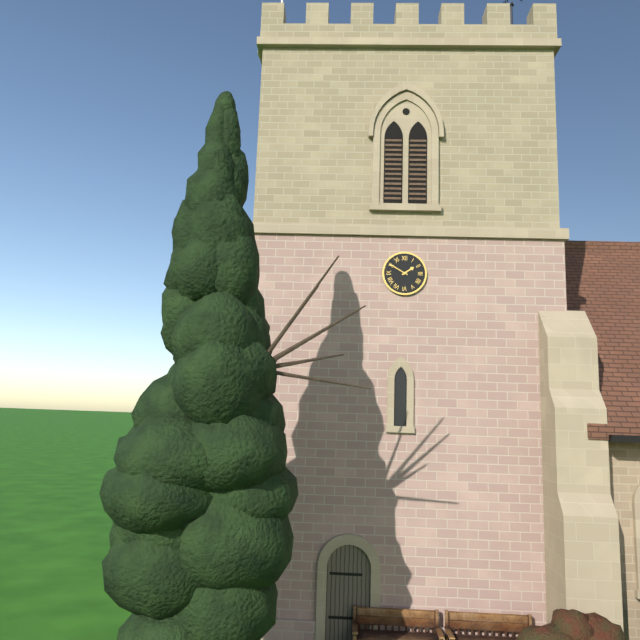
h=1 m=50
